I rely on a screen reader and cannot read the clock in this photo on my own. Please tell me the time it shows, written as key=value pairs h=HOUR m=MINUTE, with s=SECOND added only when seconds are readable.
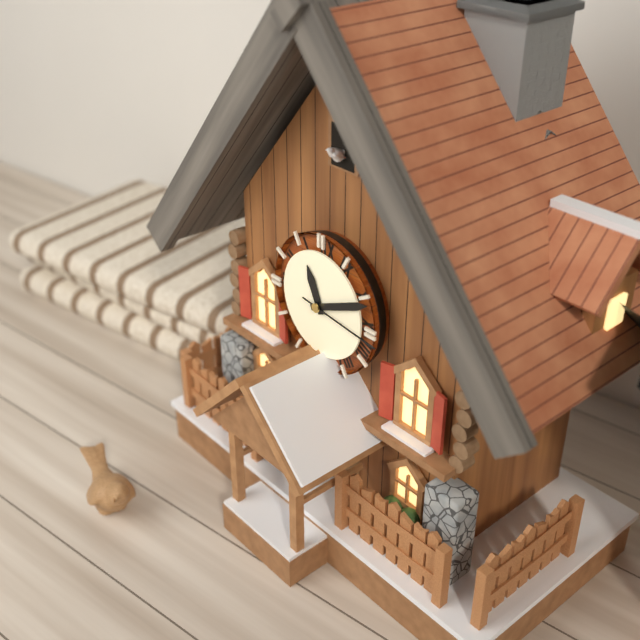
h=11 m=11 s=16
